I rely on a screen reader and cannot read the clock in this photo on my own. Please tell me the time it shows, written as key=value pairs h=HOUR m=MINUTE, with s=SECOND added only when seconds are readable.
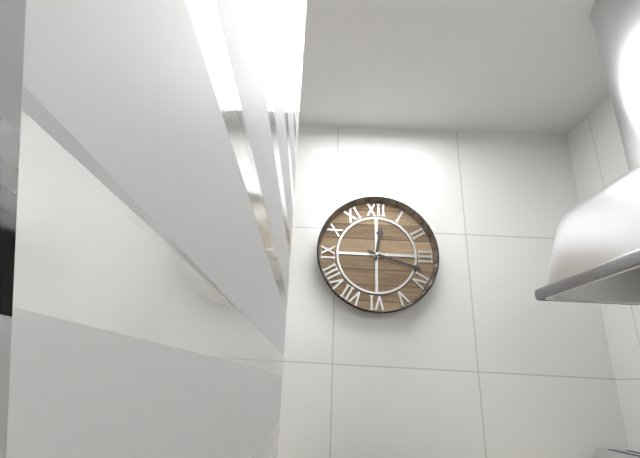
h=12 m=18
